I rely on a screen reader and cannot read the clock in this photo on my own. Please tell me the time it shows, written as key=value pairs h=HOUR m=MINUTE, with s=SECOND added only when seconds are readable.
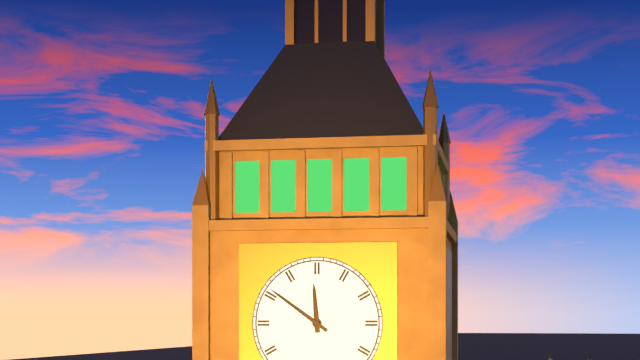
h=11 m=51
